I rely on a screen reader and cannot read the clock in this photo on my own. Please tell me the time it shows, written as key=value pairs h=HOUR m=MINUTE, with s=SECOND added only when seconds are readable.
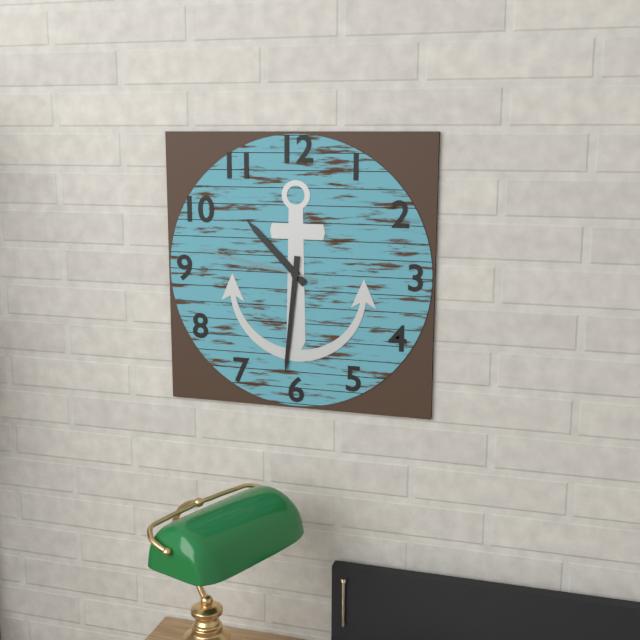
h=10 m=31 s=47
